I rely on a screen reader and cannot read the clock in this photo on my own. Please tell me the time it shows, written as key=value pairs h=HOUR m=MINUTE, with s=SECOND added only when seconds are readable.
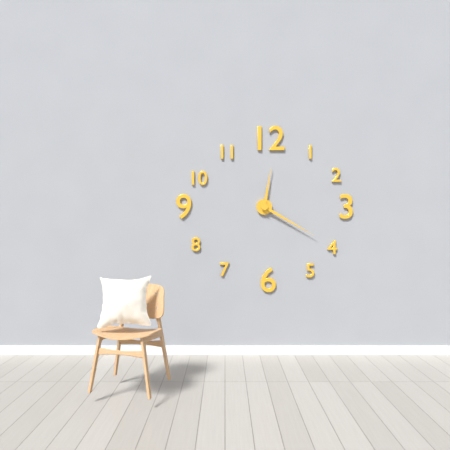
h=12 m=20
